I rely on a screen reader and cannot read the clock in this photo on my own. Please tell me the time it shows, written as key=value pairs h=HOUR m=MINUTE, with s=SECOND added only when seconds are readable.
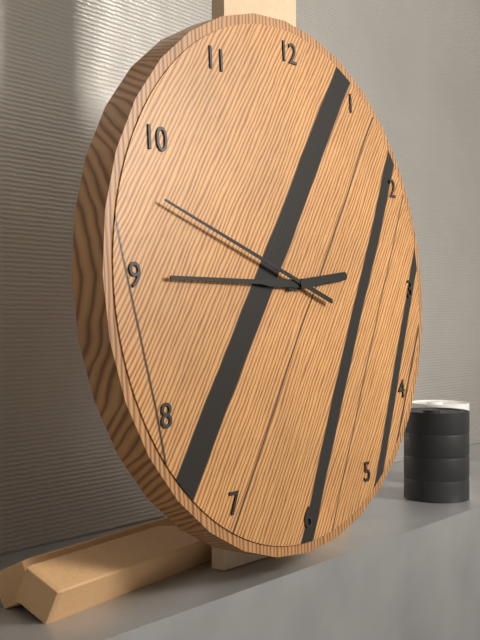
h=2 m=45 s=48
